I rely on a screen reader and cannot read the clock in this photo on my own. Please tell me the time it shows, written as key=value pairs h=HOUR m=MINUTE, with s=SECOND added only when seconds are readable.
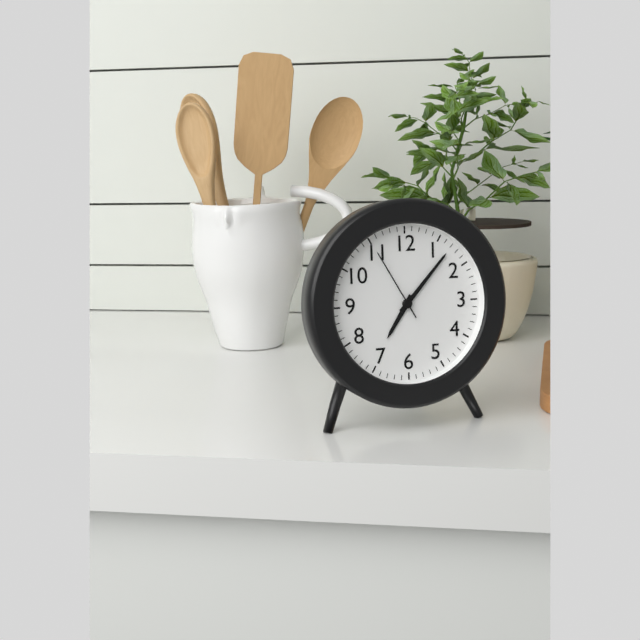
h=7 m=7 s=55
